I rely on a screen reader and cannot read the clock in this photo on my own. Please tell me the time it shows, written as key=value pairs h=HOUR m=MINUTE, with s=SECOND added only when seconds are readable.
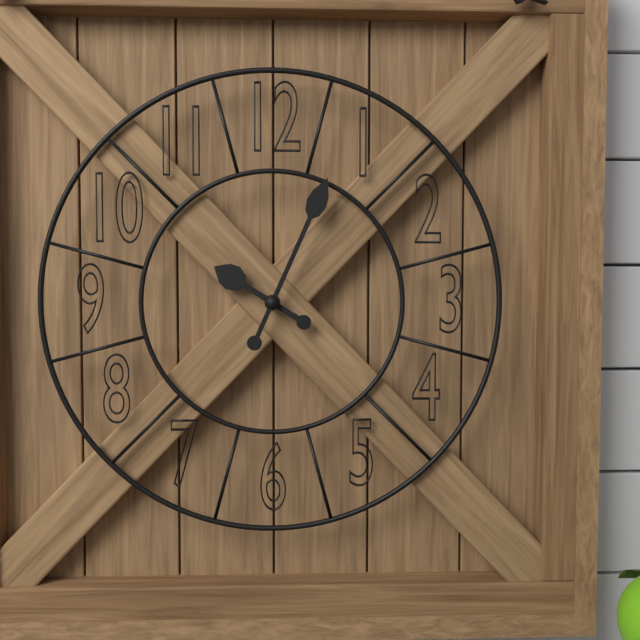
h=10 m=4
